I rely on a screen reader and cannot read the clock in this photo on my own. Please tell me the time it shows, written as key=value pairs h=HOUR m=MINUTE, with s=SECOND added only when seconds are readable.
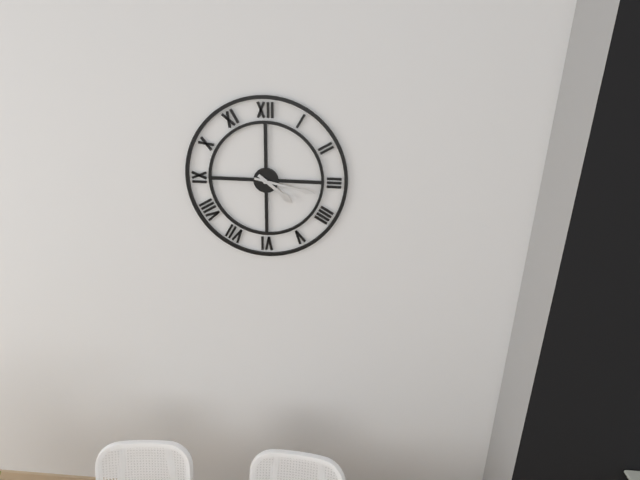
h=4 m=17
